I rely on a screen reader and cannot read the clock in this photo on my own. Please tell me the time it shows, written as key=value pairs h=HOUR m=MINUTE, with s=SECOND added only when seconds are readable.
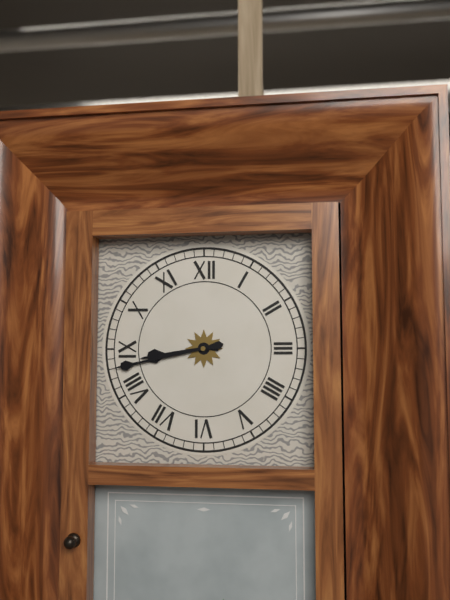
h=8 m=43
